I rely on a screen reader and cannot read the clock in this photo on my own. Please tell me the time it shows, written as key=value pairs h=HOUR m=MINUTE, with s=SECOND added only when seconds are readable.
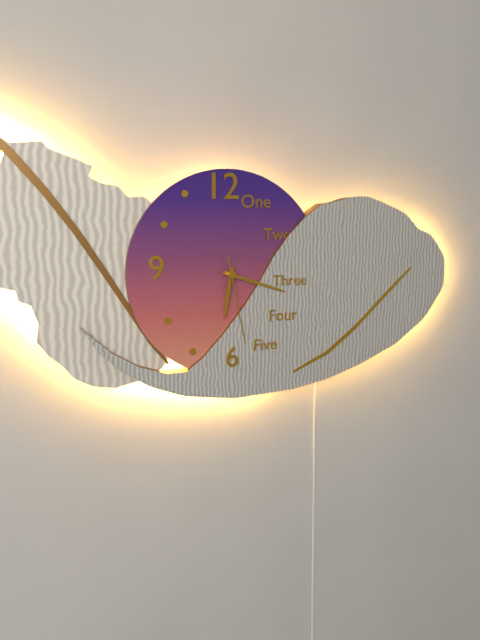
h=6 m=18 s=28
